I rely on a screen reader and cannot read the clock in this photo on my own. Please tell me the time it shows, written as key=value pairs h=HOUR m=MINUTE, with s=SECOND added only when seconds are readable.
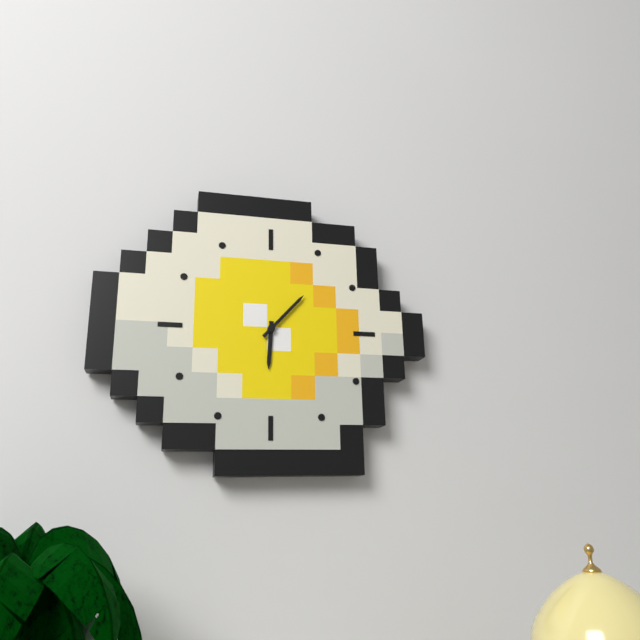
h=6 m=7
